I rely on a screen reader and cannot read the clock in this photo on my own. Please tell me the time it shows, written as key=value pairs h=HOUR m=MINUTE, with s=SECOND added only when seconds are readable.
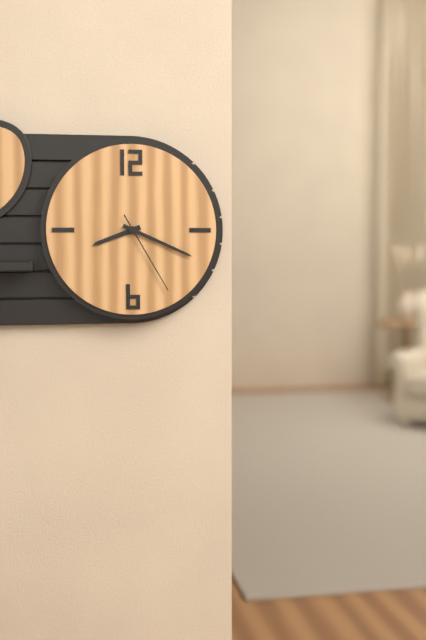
h=8 m=19 s=25
